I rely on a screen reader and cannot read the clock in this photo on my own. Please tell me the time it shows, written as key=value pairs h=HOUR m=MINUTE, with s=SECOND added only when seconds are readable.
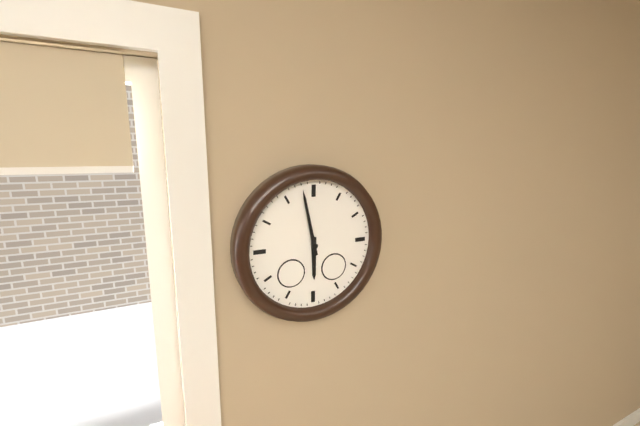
h=5 m=58
